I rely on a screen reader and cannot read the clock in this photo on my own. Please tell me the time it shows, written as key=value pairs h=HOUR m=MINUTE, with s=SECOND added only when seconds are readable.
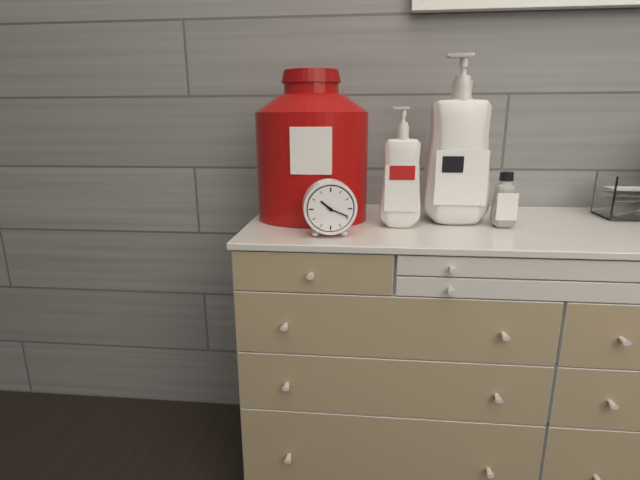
h=10 m=19
